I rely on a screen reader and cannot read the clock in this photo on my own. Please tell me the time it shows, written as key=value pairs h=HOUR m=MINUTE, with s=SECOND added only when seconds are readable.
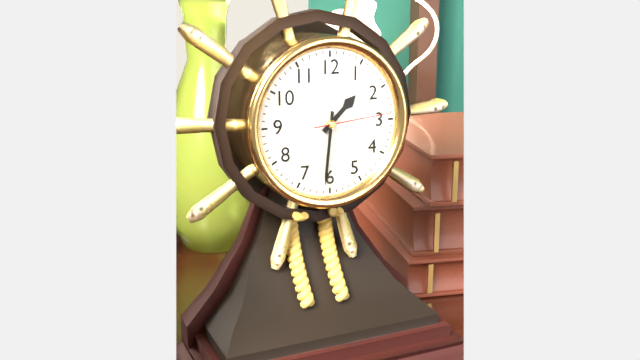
h=1 m=31 s=14
